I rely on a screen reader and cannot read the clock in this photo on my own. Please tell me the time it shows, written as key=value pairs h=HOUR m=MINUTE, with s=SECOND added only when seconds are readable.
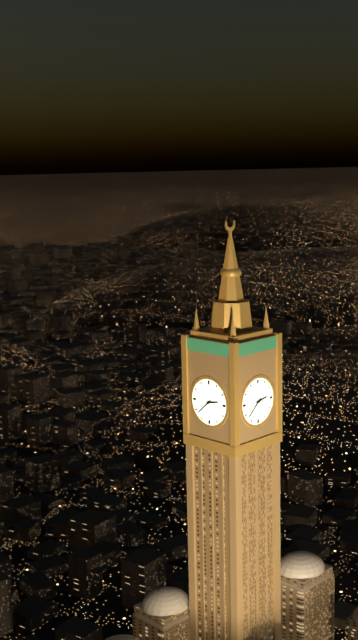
h=2 m=38
